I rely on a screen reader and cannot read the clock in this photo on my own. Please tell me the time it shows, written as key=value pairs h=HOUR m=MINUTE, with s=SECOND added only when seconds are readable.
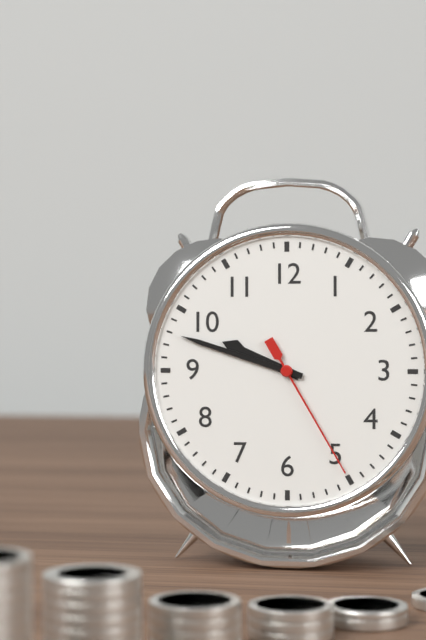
h=9 m=48 s=25
